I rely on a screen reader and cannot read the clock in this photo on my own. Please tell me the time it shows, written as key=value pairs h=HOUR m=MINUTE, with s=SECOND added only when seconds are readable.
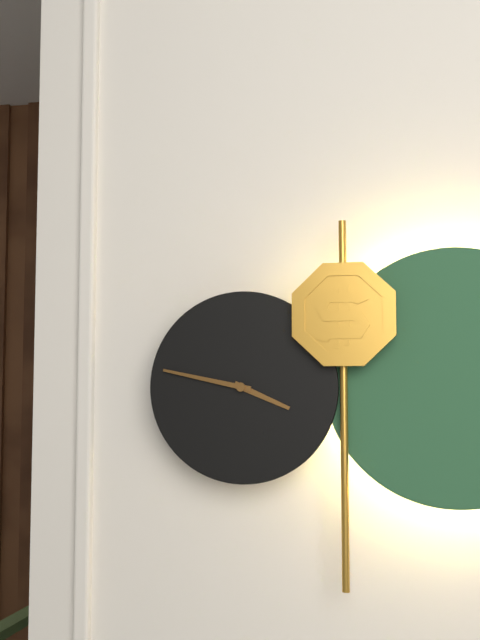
h=3 m=47
